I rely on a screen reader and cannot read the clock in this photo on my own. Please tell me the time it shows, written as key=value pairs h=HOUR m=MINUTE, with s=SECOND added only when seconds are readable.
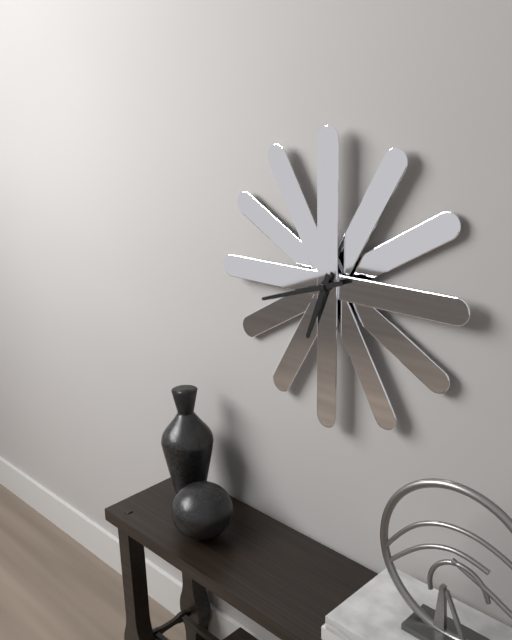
h=6 m=42
